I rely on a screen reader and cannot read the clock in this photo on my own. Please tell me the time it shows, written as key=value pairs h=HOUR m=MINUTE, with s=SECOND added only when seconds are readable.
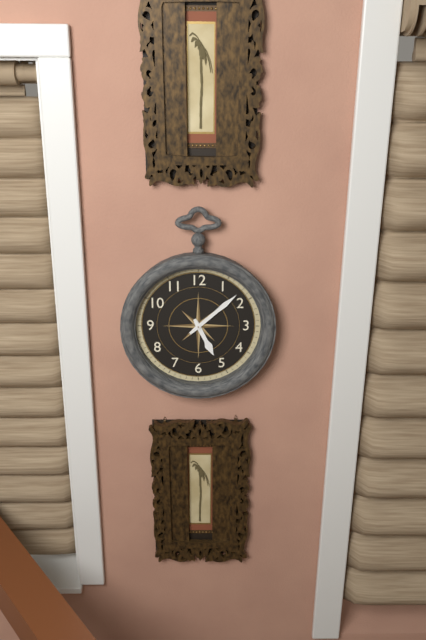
h=5 m=8
